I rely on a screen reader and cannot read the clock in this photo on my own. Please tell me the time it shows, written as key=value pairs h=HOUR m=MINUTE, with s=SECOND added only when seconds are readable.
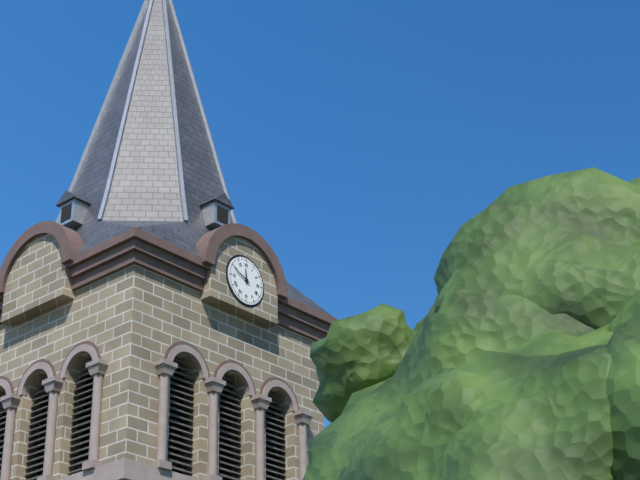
h=11 m=49
